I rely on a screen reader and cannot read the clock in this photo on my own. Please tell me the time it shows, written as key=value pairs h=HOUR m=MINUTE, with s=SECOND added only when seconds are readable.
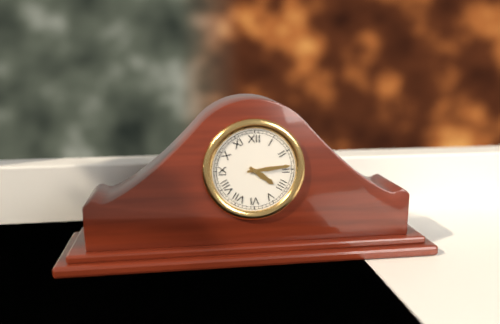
h=4 m=14
